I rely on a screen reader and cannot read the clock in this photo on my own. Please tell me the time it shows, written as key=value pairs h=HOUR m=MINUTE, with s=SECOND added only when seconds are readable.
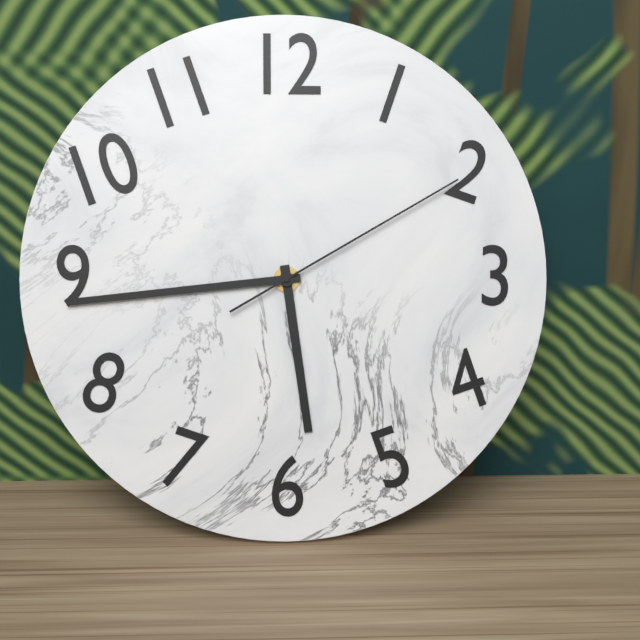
h=5 m=44 s=10
